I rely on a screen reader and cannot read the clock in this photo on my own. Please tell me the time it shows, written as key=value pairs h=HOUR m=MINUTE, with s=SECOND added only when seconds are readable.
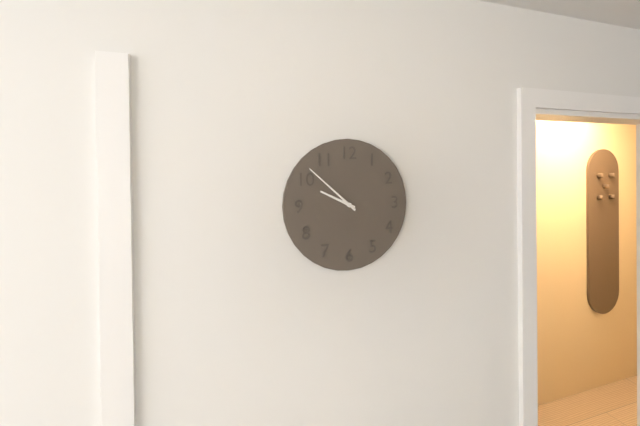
h=9 m=52
